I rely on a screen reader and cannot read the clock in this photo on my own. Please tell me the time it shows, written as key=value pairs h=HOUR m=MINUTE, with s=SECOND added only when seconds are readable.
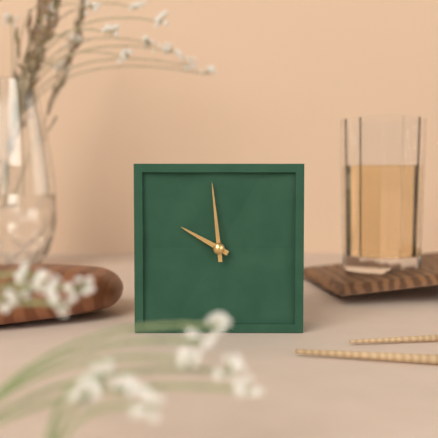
h=9 m=59
